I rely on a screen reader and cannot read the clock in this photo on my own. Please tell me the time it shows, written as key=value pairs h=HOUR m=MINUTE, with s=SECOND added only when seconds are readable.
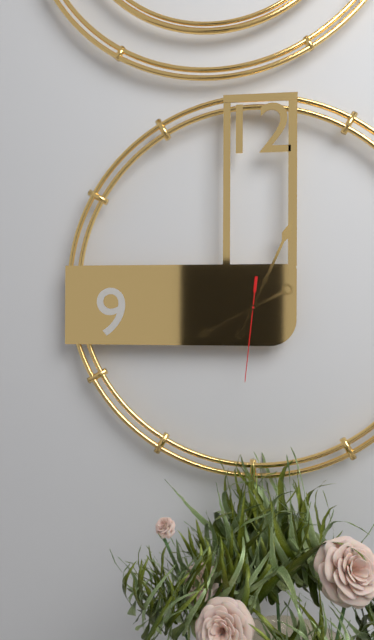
h=8 m=4 s=31
